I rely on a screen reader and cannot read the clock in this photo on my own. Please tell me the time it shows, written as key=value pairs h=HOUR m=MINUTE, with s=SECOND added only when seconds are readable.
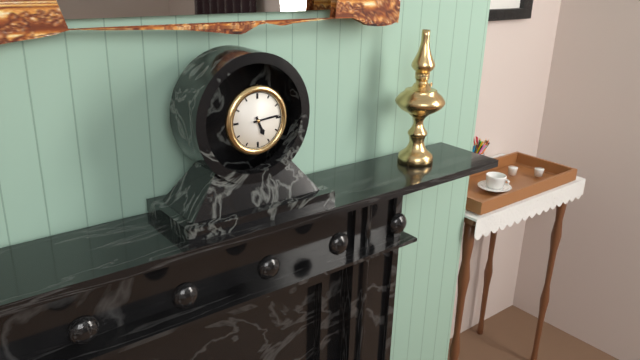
h=5 m=14
